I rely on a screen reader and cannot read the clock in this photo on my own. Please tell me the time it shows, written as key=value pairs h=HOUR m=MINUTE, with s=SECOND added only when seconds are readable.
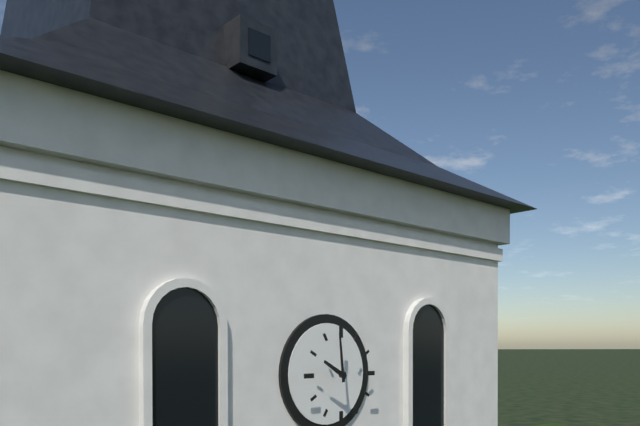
h=9 m=59
